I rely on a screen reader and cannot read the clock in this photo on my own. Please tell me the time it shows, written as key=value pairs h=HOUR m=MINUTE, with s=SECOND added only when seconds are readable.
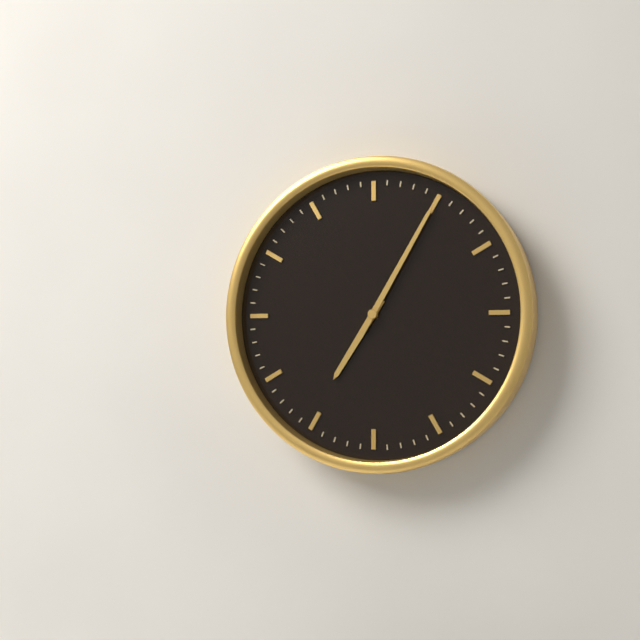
h=7 m=5
